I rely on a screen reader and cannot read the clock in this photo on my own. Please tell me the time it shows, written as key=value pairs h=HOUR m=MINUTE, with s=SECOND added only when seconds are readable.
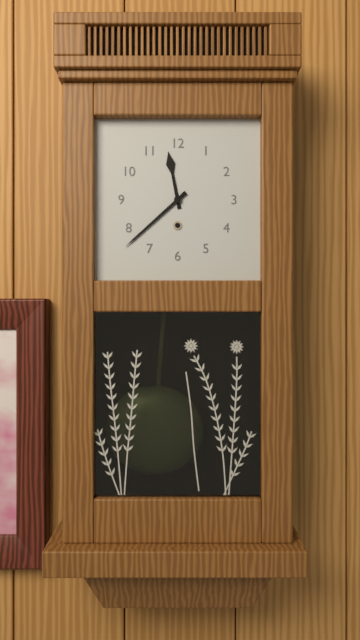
h=11 m=38
